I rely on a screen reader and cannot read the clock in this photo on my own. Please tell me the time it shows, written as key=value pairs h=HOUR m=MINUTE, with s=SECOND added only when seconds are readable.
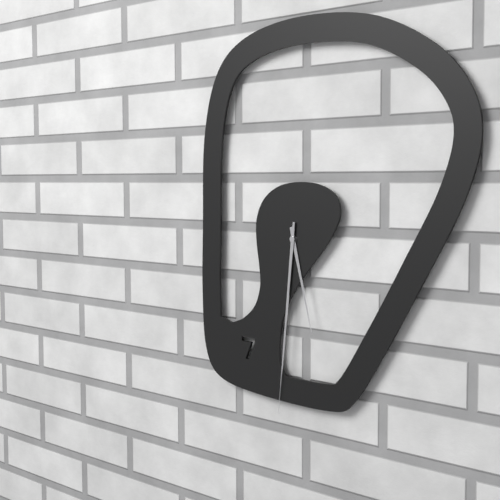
h=5 m=31
